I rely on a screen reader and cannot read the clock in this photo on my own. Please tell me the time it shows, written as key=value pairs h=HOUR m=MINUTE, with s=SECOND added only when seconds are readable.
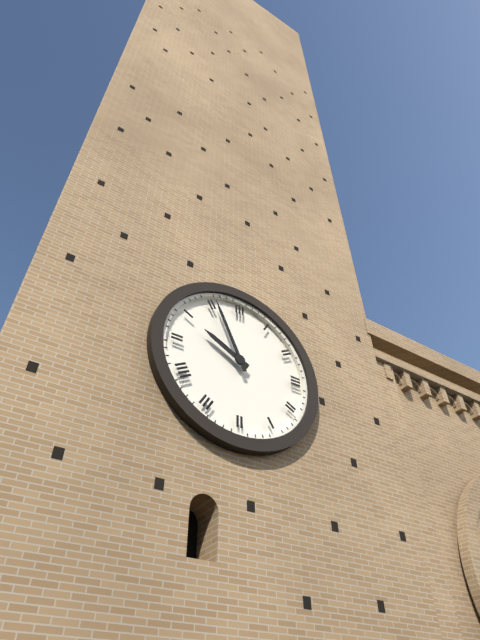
h=9 m=56
